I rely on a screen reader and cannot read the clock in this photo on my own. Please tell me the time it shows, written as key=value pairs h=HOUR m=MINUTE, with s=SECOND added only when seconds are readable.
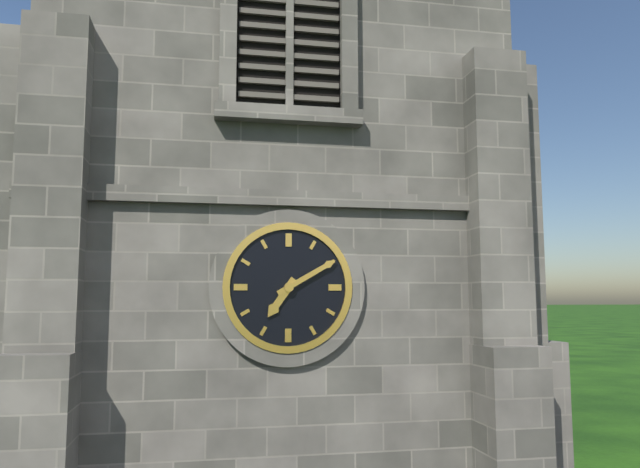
h=7 m=10
